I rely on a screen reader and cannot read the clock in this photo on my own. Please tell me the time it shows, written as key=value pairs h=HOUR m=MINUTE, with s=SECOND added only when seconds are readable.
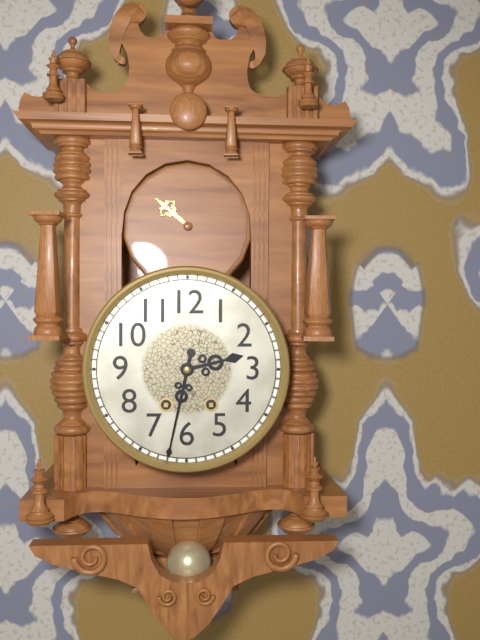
h=2 m=32
